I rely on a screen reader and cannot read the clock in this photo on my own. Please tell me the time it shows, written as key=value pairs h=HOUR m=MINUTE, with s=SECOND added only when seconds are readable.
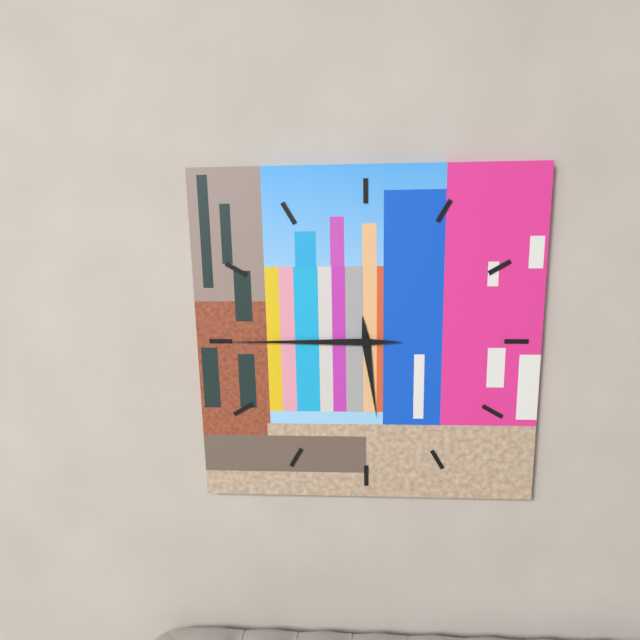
h=5 m=45
